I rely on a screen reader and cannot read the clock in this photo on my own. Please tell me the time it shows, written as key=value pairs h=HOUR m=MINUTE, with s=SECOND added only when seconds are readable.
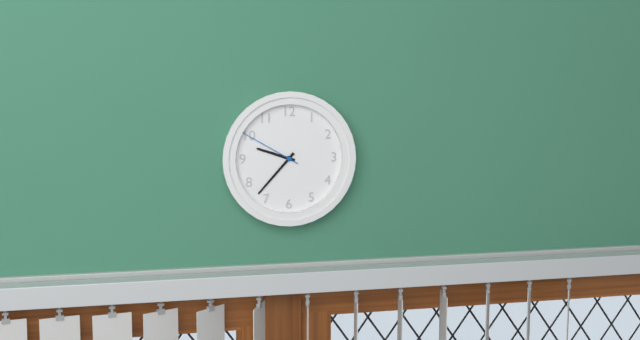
h=9 m=37 s=50
